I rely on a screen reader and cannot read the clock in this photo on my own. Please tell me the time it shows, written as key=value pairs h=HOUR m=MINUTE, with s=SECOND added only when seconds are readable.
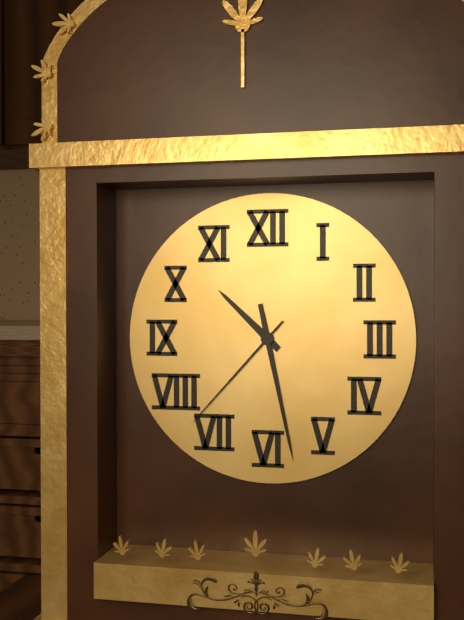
h=10 m=28 s=37
